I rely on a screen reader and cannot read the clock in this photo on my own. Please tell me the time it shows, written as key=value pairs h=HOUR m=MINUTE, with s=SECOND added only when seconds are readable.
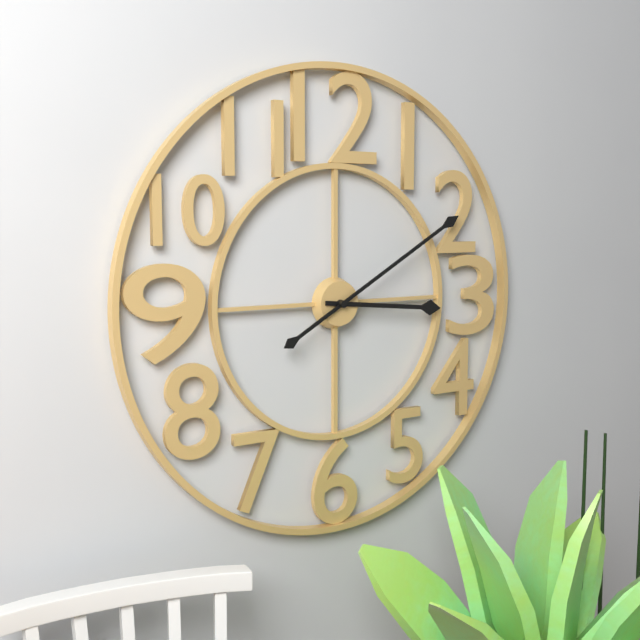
h=3 m=10
